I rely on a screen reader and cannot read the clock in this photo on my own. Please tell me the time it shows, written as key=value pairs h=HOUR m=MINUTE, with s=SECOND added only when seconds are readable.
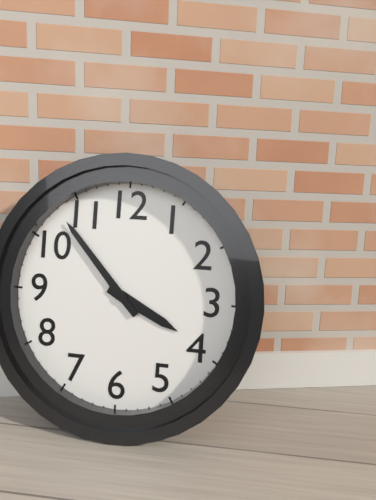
h=3 m=53
